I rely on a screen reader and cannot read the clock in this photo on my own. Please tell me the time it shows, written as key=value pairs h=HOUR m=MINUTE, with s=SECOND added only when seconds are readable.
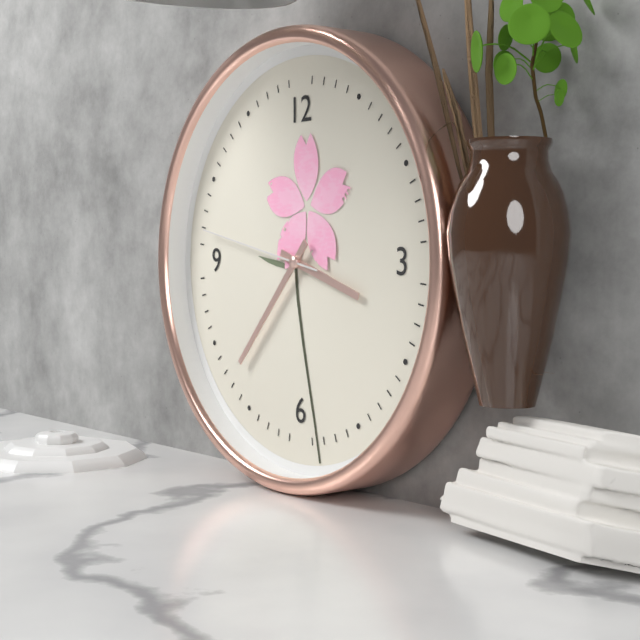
h=3 m=37 s=47
